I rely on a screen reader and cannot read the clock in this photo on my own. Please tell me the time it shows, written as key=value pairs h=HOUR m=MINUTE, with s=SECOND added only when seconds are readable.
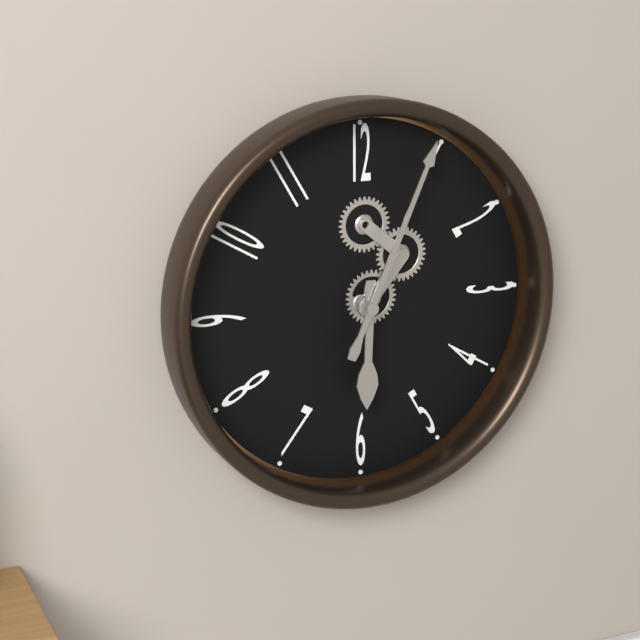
h=6 m=4
